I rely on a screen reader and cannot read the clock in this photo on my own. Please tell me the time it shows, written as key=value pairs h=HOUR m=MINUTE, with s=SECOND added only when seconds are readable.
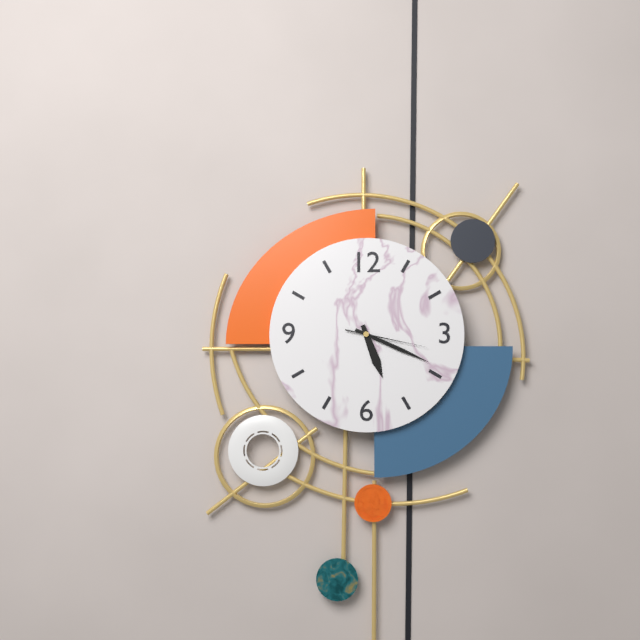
h=5 m=19 s=17
